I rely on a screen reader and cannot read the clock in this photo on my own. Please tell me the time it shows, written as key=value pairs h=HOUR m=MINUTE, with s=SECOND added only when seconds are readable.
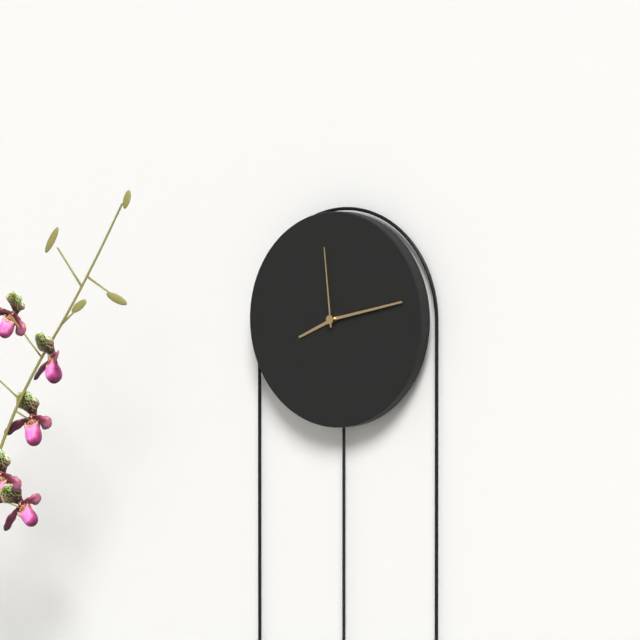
h=8 m=13 s=59
